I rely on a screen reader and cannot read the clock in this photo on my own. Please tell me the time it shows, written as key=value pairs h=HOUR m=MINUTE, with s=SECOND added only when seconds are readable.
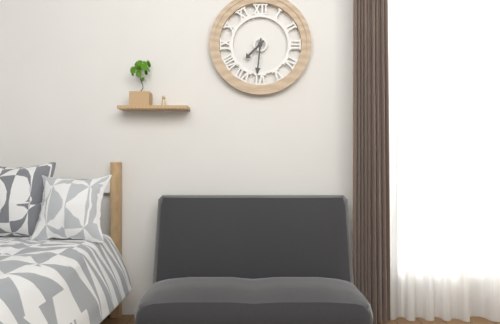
h=7 m=31
